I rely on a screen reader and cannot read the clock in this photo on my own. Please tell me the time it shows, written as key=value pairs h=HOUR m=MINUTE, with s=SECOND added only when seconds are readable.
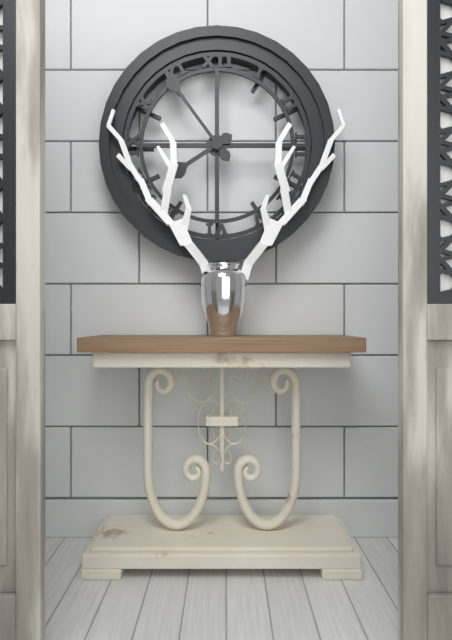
h=7 m=54
